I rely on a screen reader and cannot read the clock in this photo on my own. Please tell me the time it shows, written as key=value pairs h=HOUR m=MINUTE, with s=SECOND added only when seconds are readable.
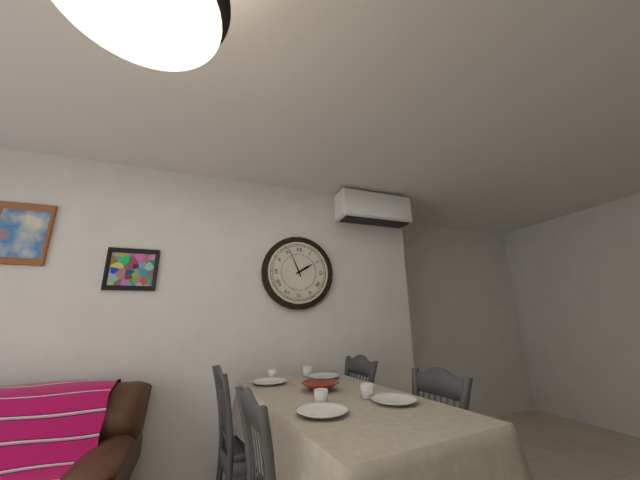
h=1 m=56
